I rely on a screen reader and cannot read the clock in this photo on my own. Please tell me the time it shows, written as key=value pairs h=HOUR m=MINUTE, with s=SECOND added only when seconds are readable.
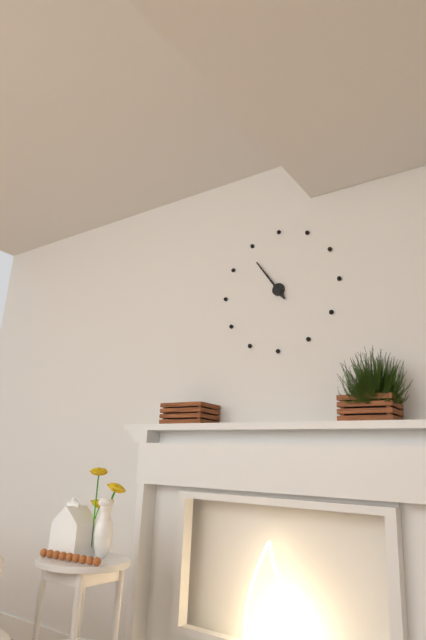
h=4 m=54
